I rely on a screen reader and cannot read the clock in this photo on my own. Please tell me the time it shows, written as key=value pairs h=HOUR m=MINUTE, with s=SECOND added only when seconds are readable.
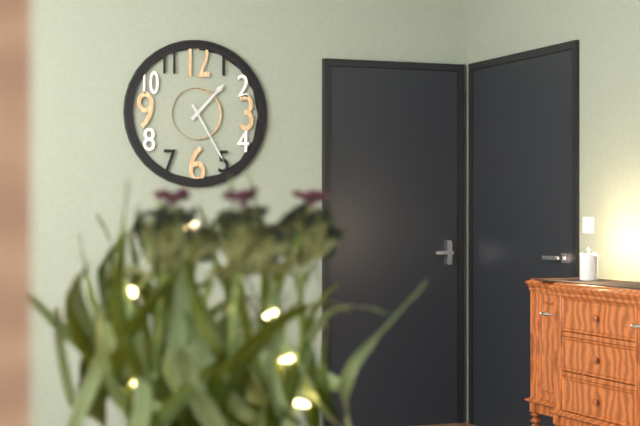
h=1 m=25
